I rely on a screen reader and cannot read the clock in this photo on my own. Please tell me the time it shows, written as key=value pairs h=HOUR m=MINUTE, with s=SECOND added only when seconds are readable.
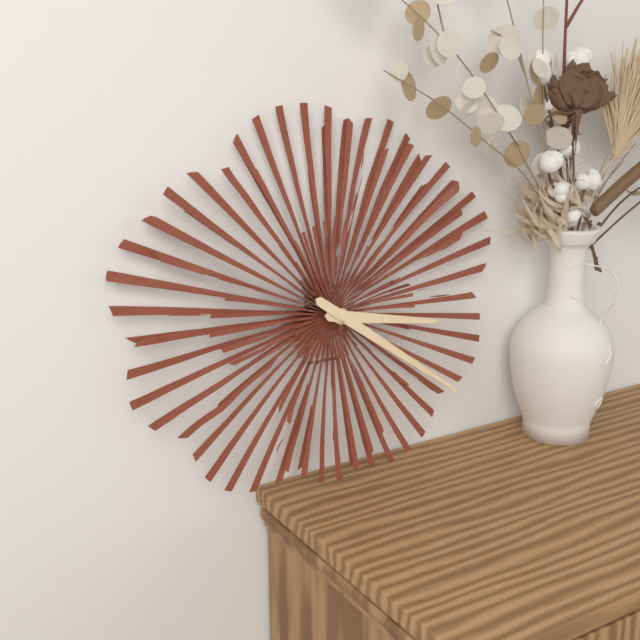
h=3 m=21
